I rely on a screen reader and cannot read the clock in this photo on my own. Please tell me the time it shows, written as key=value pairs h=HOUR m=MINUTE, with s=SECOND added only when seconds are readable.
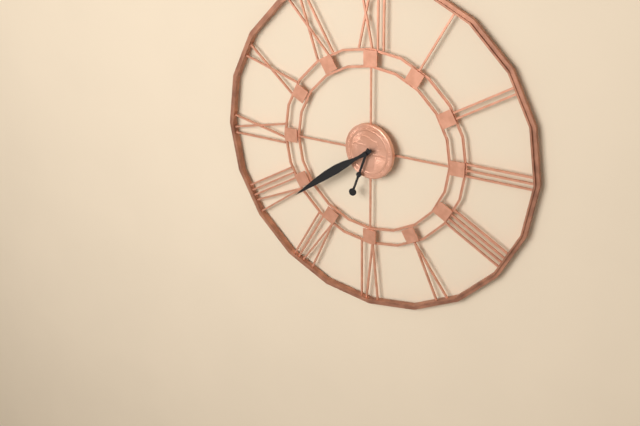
h=6 m=39
